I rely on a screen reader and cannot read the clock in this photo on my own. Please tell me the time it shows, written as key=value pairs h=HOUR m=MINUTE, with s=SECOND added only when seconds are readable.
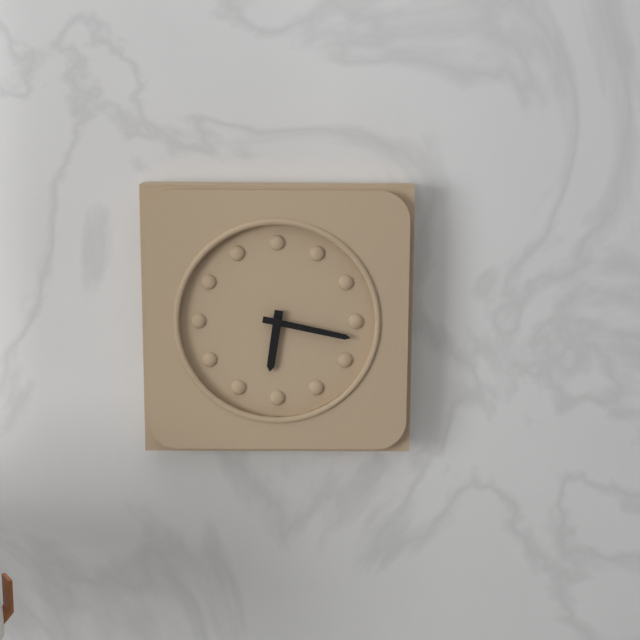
h=6 m=17
